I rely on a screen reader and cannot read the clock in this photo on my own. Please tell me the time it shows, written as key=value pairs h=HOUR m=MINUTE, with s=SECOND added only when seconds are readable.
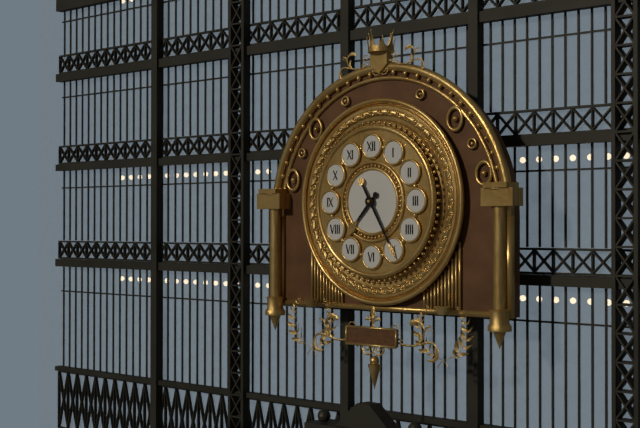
h=7 m=25
